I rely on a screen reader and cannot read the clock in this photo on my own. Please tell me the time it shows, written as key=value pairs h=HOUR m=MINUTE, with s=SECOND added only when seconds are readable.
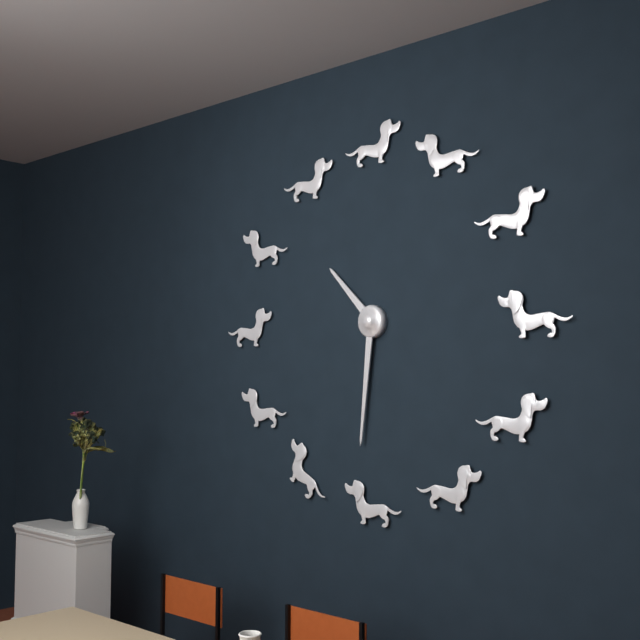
h=10 m=31
